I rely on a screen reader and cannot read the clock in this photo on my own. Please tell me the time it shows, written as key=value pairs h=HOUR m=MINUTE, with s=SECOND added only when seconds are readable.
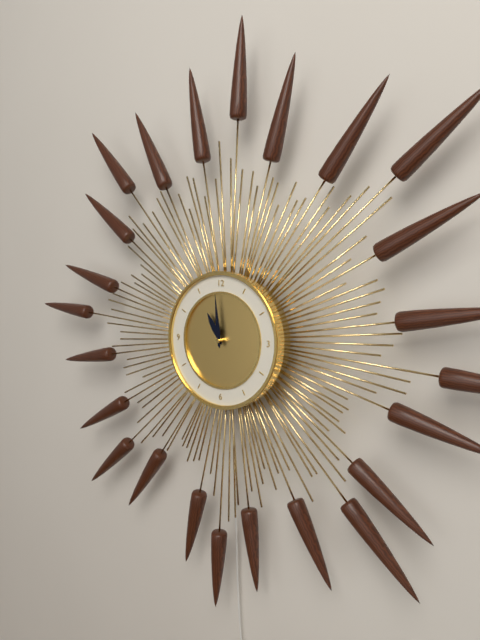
h=10 m=59
